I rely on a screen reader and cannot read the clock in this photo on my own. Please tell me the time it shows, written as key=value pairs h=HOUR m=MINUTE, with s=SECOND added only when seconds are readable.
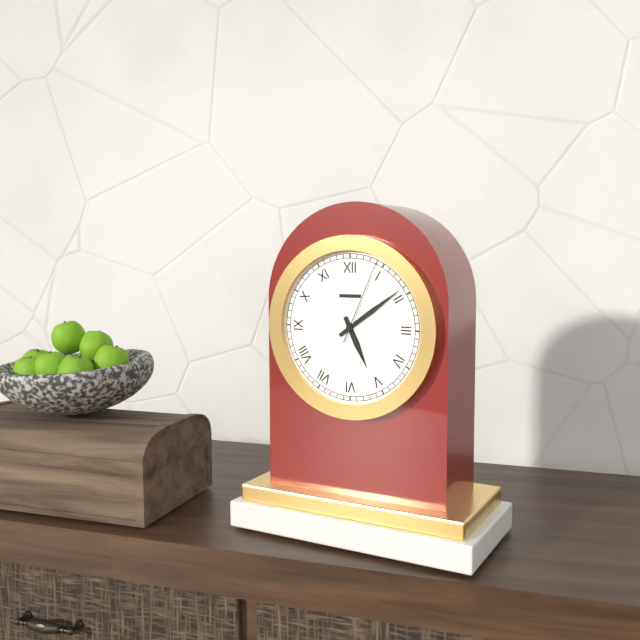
h=5 m=9 s=4
